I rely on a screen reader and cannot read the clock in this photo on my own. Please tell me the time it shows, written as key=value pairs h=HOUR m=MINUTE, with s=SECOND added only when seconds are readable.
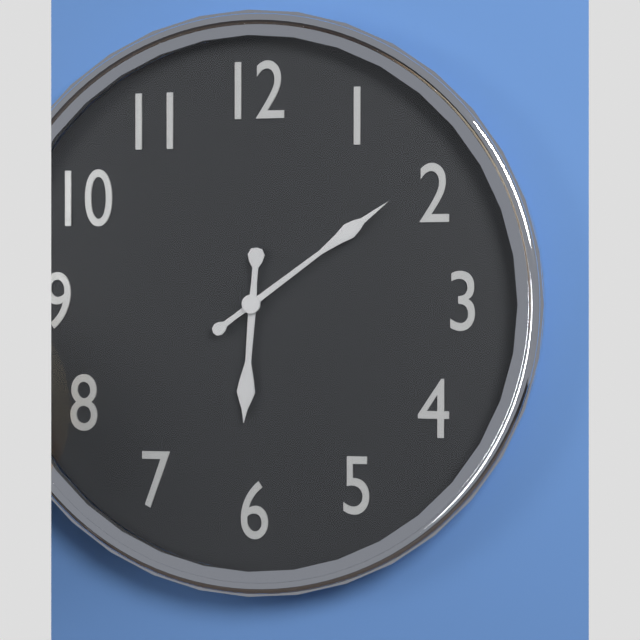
h=6 m=9
